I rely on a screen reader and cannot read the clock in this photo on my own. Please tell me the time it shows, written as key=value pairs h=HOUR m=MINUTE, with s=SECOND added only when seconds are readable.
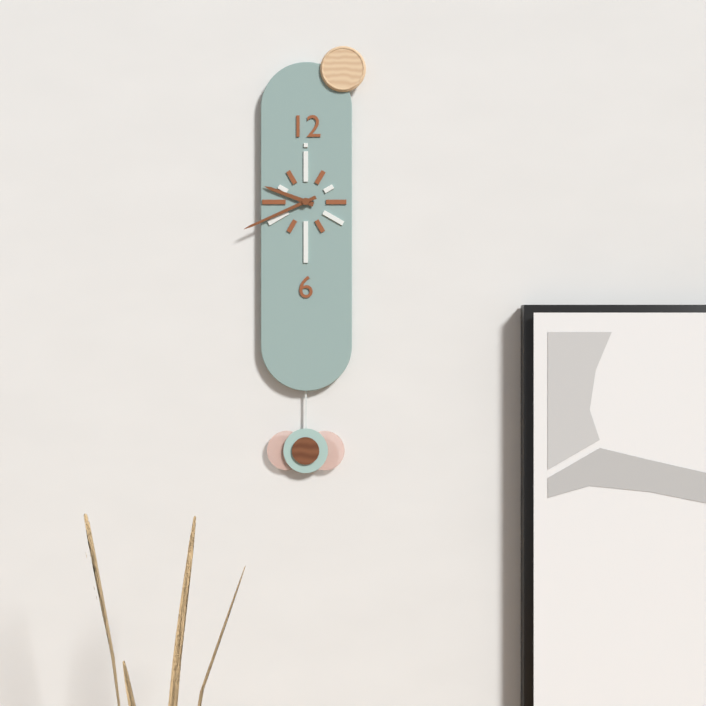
h=9 m=41
